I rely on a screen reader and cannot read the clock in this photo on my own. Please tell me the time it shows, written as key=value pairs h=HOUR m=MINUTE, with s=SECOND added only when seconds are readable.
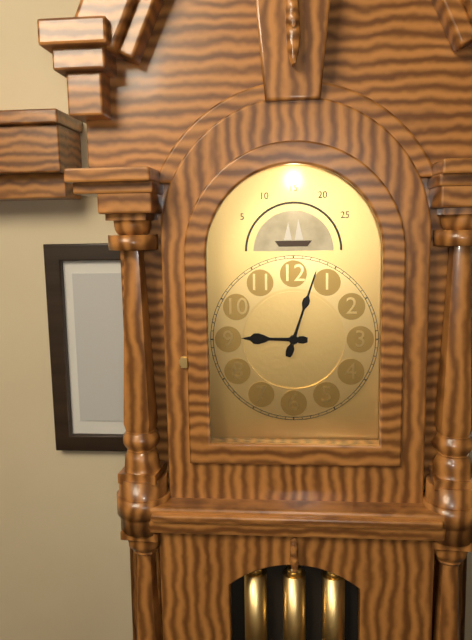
h=9 m=3
